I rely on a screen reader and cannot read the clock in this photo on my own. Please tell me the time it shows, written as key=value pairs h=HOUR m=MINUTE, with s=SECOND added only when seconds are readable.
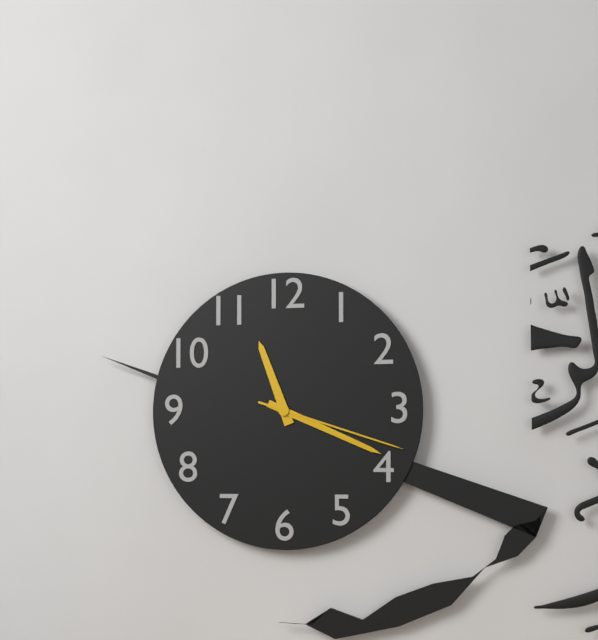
h=11 m=19 s=18
